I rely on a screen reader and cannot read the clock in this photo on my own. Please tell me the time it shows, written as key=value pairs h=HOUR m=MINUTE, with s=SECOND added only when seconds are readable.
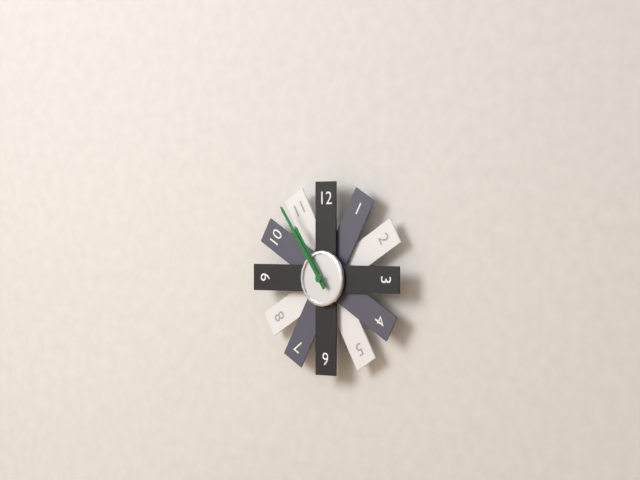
h=10 m=54
